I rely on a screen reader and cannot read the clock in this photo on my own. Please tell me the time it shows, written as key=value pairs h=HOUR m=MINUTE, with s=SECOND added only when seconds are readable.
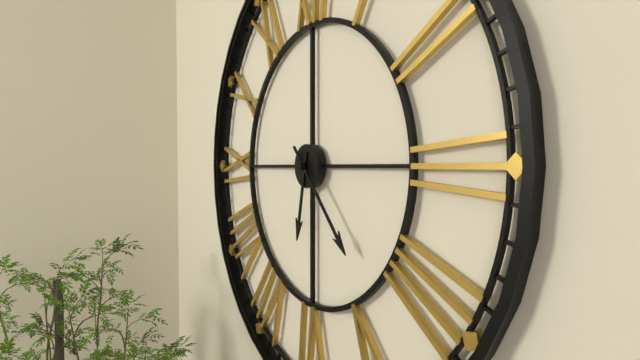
h=6 m=23
